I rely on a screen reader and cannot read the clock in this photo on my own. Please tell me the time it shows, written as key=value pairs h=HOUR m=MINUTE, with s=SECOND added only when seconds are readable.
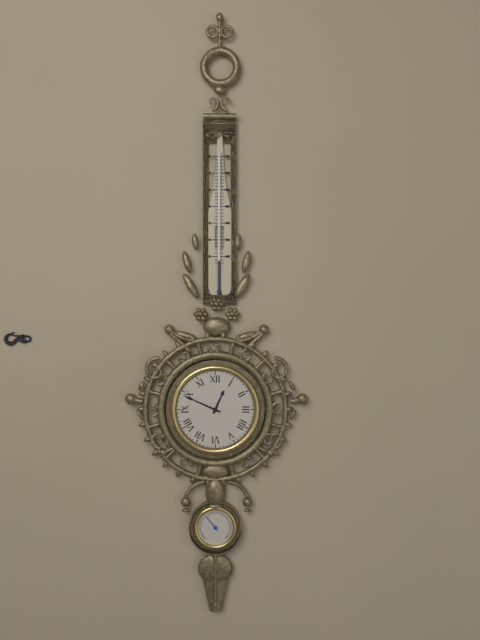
h=12 m=49
